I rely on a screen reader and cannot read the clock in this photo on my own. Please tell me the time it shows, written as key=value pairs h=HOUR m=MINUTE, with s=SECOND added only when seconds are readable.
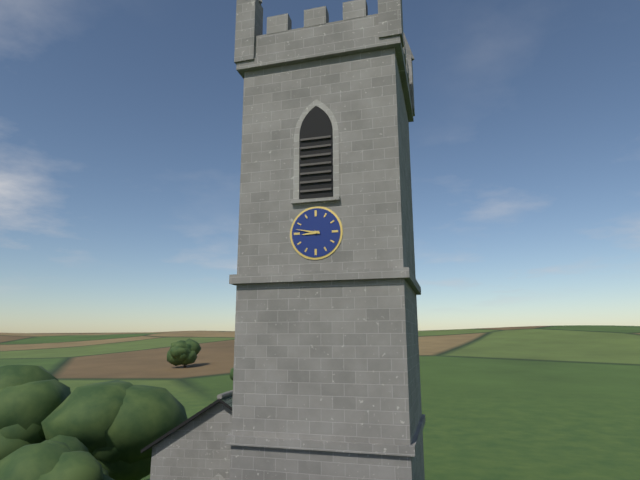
h=8 m=47
